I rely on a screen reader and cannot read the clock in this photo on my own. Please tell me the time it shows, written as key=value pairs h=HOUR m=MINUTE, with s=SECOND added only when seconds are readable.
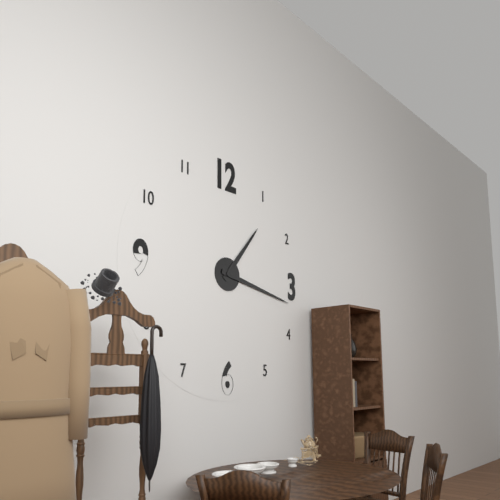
h=1 m=17
